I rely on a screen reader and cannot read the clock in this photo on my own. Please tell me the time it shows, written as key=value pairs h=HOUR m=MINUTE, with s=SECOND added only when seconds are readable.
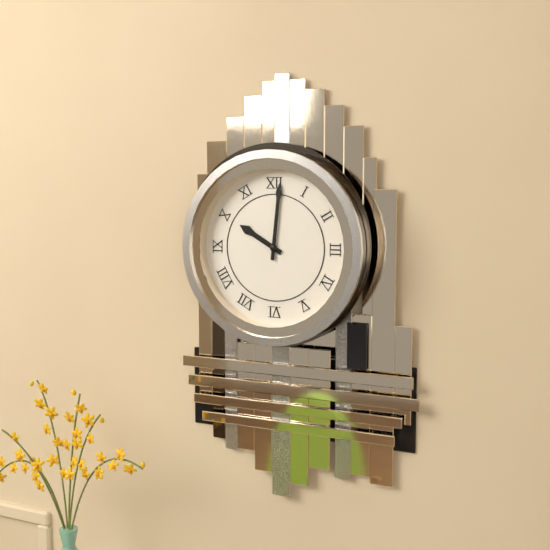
h=10 m=1
